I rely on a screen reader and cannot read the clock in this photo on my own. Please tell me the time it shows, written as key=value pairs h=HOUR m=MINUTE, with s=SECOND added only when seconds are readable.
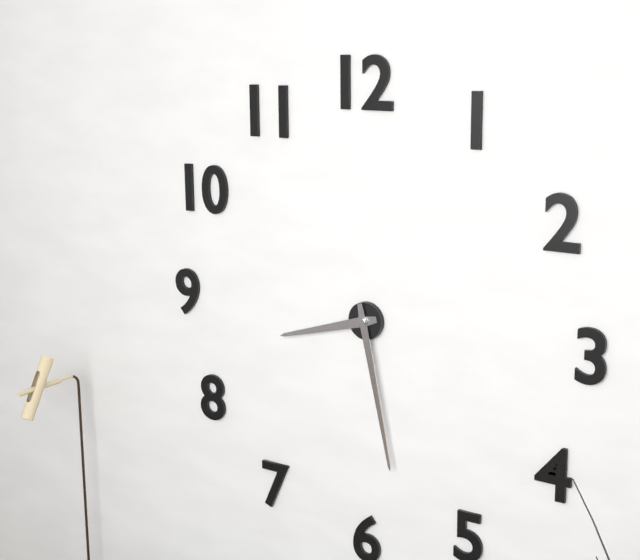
h=8 m=28
